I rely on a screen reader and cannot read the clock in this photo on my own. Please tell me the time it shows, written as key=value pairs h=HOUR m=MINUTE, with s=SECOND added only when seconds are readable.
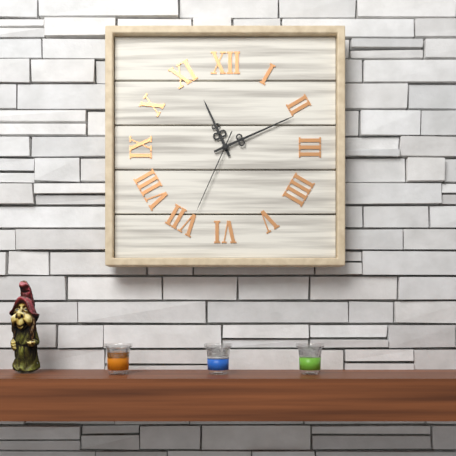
h=11 m=11 s=34
